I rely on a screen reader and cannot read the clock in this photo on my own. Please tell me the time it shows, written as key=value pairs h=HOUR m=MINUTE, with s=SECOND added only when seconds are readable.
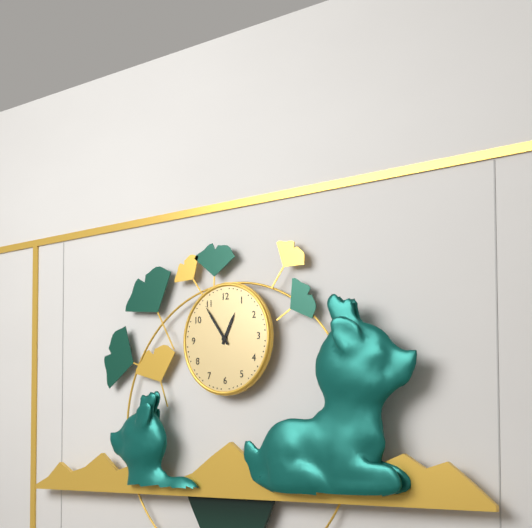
h=12 m=54
